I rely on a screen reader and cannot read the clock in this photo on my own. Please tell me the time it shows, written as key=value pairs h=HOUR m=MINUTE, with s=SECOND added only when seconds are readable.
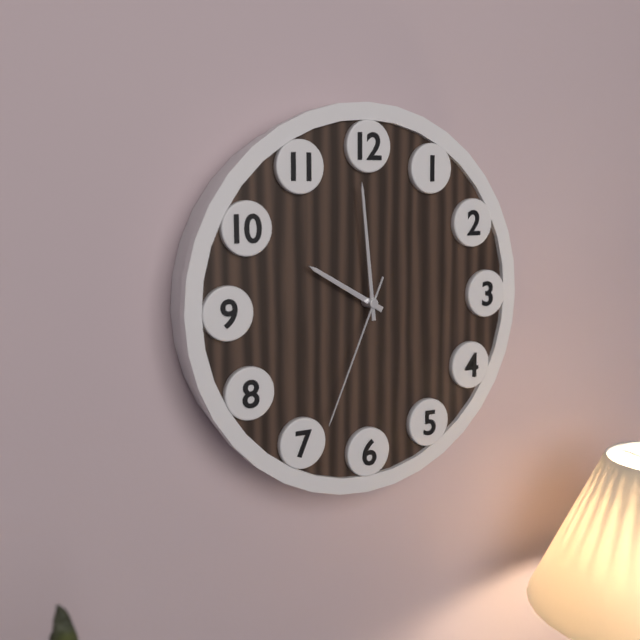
h=9 m=59 s=34
